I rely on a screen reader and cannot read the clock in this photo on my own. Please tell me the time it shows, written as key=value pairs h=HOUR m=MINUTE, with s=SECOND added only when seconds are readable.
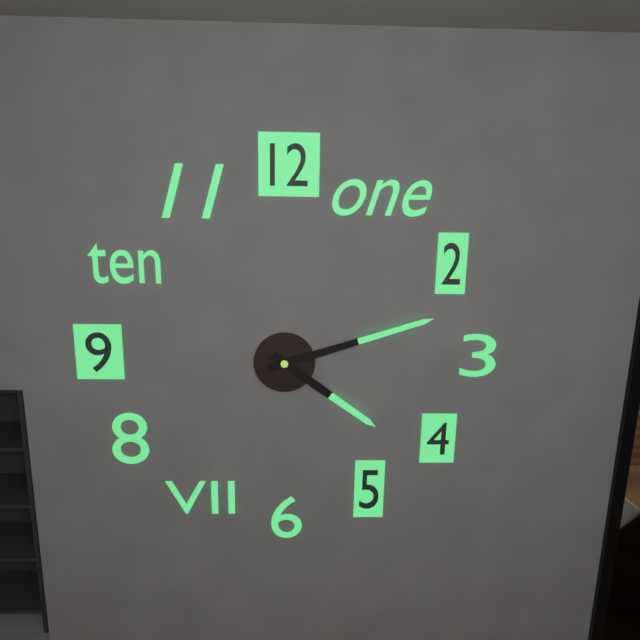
h=4 m=12
